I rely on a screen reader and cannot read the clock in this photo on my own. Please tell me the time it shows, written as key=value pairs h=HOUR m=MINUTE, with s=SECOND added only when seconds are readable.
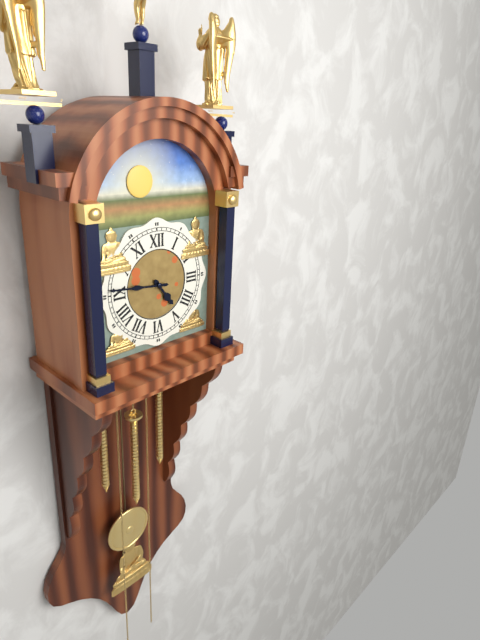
h=4 m=46
